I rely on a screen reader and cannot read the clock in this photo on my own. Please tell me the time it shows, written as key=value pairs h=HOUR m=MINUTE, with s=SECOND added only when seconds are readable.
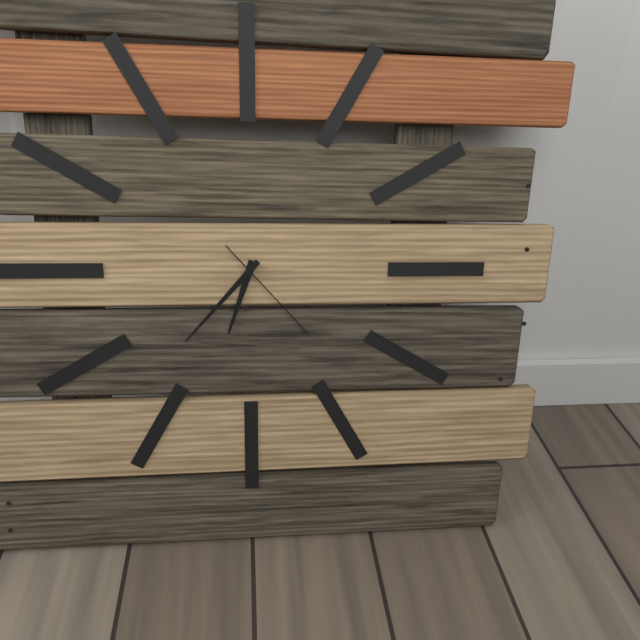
h=6 m=37 s=23
